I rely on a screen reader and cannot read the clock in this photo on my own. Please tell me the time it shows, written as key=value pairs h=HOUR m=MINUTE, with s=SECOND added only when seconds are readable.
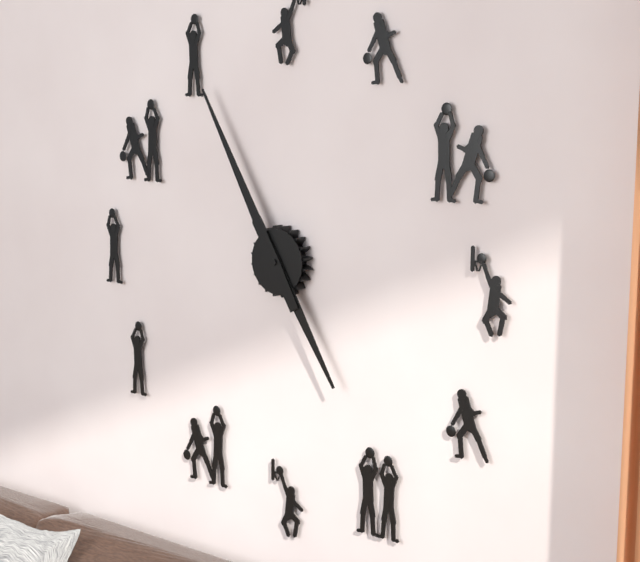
h=4 m=55
